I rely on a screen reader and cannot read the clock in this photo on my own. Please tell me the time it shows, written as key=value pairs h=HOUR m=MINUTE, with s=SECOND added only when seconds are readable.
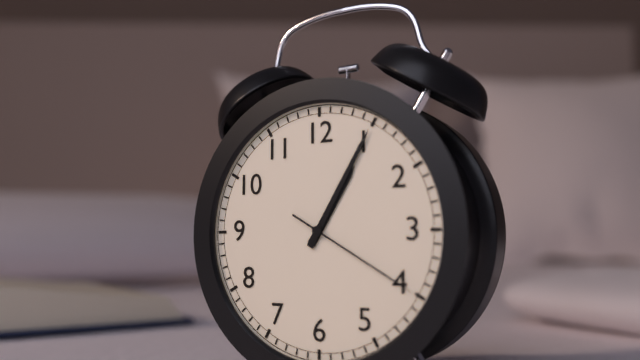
h=1 m=5 s=20
